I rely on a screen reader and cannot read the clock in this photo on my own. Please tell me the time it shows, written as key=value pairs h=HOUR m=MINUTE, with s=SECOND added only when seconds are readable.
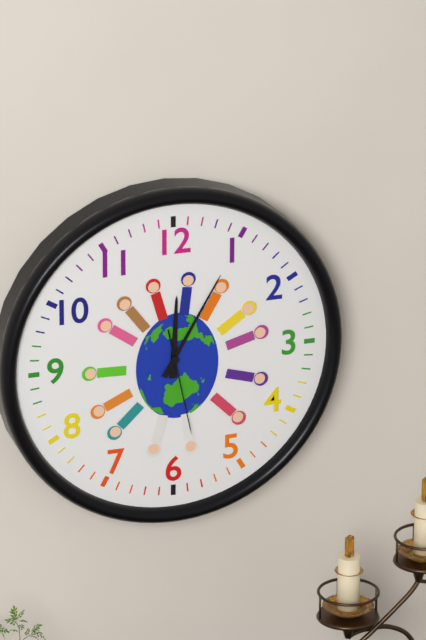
h=12 m=5 s=28
